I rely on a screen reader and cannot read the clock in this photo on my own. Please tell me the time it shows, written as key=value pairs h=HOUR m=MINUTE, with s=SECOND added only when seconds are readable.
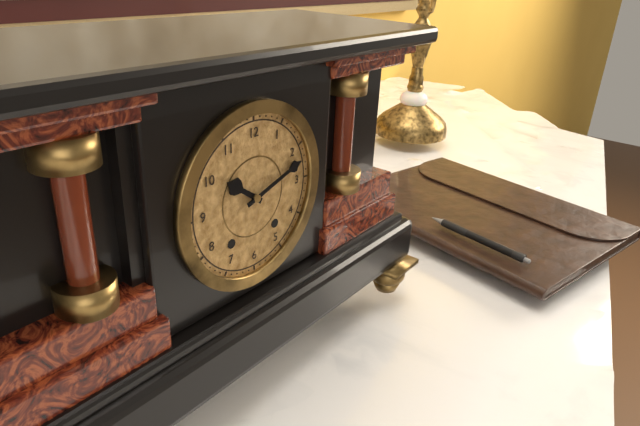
h=10 m=12
